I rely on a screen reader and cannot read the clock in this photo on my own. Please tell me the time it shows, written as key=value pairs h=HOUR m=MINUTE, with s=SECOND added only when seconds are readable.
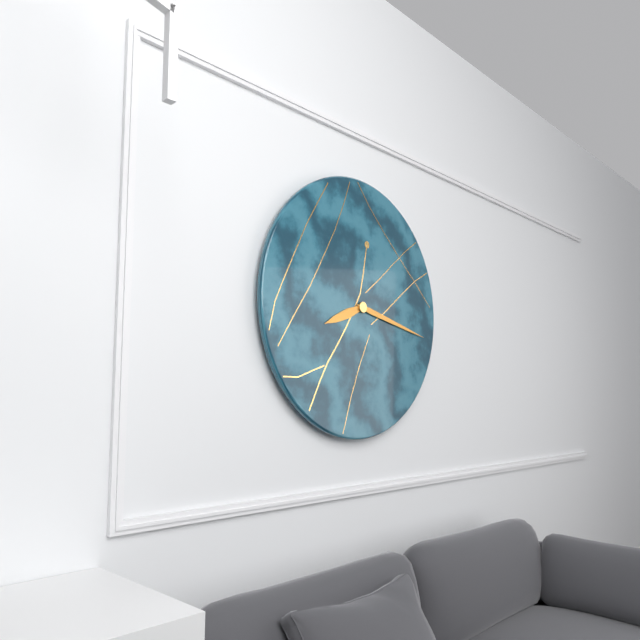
h=8 m=17
